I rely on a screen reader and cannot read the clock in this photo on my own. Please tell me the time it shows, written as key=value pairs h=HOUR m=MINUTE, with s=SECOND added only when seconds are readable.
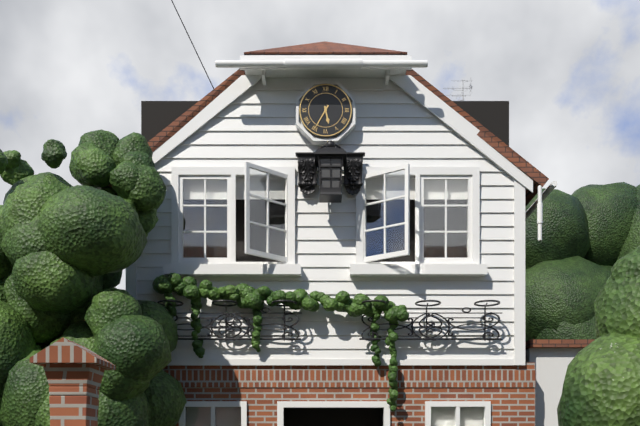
h=5 m=35
